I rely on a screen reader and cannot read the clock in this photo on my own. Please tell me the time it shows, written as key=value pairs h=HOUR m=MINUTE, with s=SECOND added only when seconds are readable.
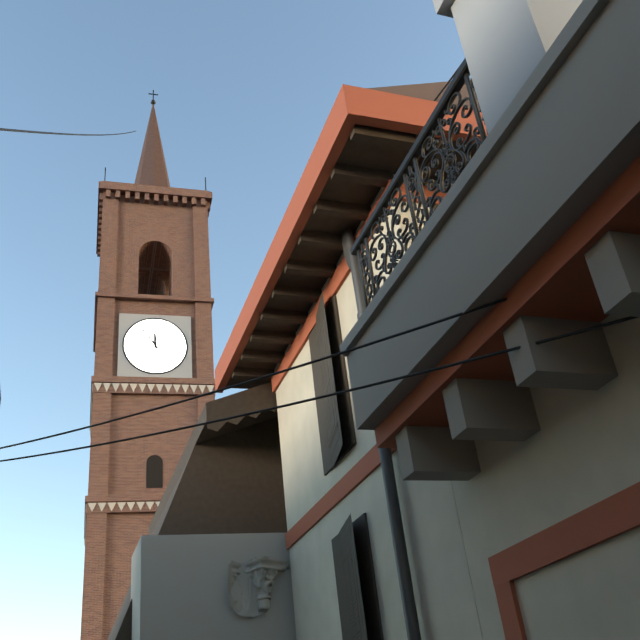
h=11 m=54
